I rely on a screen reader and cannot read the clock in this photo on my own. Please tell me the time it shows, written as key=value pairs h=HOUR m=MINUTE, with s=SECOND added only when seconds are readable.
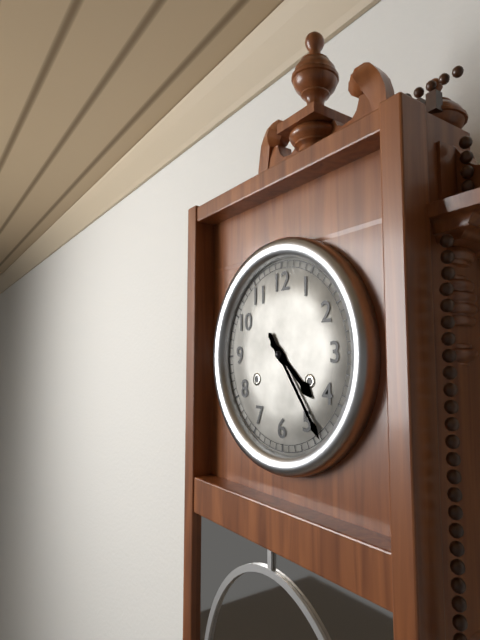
h=4 m=24
